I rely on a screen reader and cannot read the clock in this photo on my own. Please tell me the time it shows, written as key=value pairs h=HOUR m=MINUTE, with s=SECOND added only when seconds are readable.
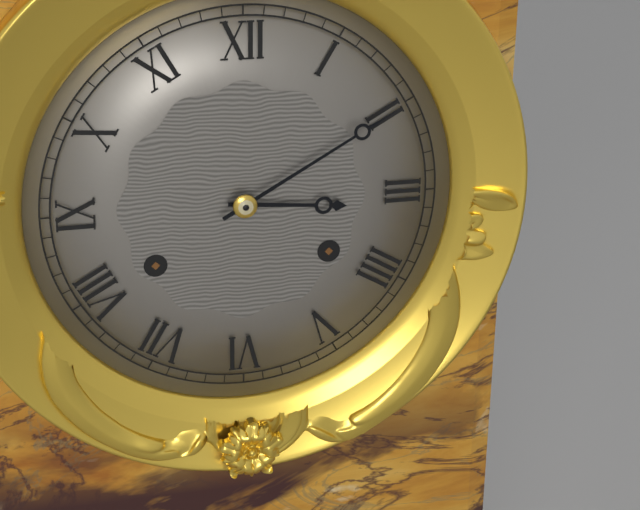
h=3 m=10
